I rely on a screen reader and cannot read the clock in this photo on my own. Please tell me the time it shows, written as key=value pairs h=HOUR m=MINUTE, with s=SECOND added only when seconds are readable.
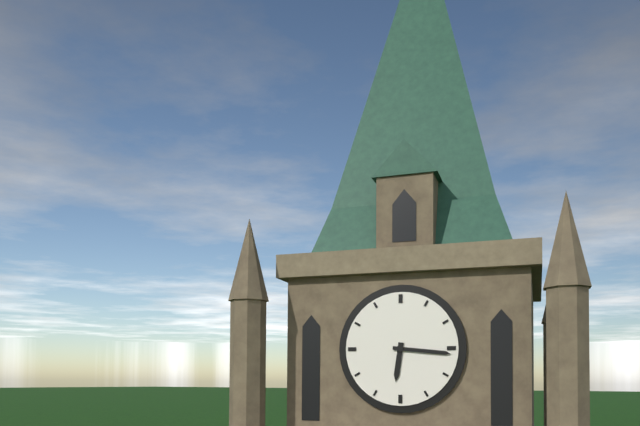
h=6 m=16
